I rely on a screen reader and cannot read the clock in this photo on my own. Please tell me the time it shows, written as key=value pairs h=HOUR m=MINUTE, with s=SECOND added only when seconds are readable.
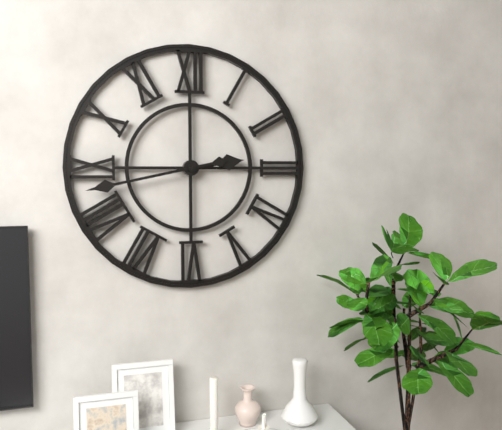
h=2 m=43
